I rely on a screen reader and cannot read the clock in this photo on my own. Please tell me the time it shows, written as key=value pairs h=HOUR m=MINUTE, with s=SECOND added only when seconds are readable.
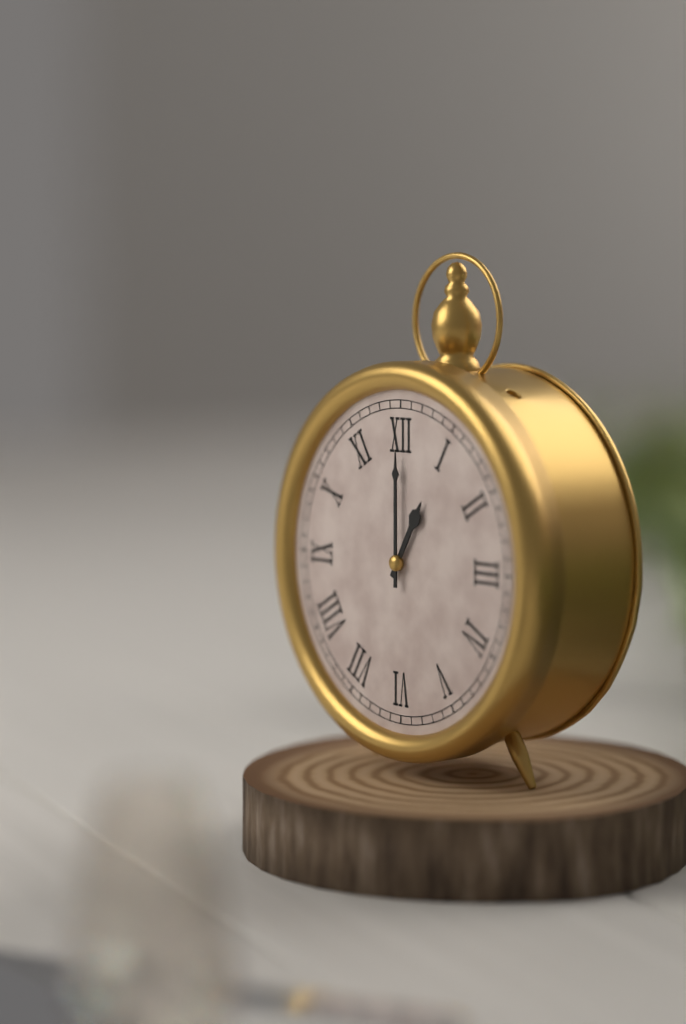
h=1 m=0
